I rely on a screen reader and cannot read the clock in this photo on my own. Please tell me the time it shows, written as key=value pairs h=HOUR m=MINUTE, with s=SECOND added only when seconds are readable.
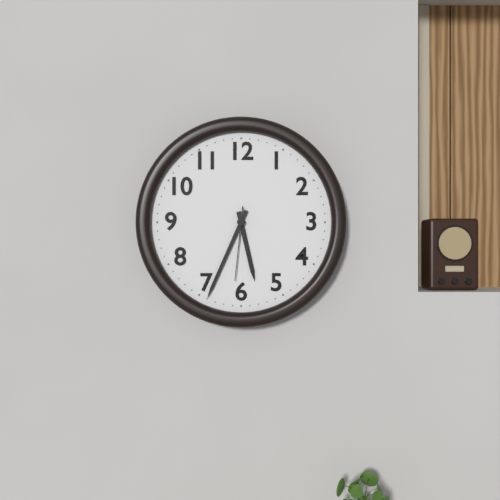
h=5 m=34 s=31
